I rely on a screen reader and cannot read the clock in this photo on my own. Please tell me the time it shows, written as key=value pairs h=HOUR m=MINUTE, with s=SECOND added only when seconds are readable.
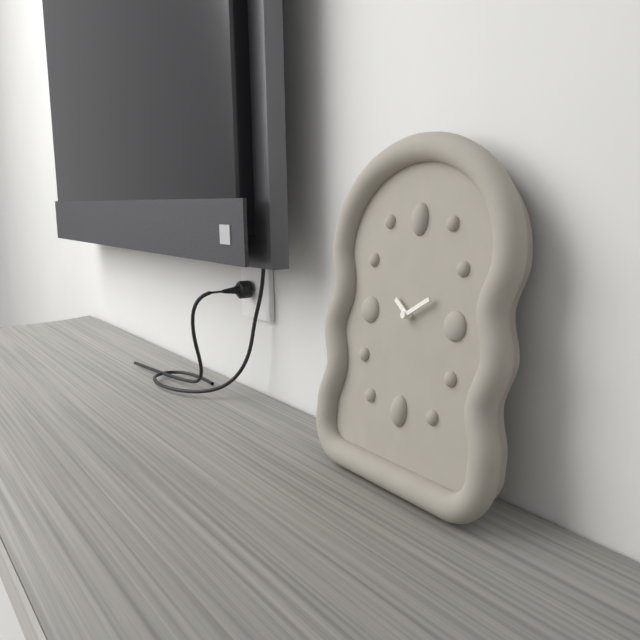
h=10 m=10
